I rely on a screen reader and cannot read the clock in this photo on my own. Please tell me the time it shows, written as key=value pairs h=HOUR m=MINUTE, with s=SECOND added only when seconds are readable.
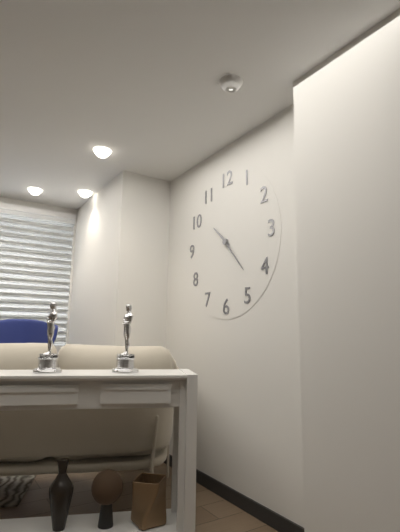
h=10 m=23
